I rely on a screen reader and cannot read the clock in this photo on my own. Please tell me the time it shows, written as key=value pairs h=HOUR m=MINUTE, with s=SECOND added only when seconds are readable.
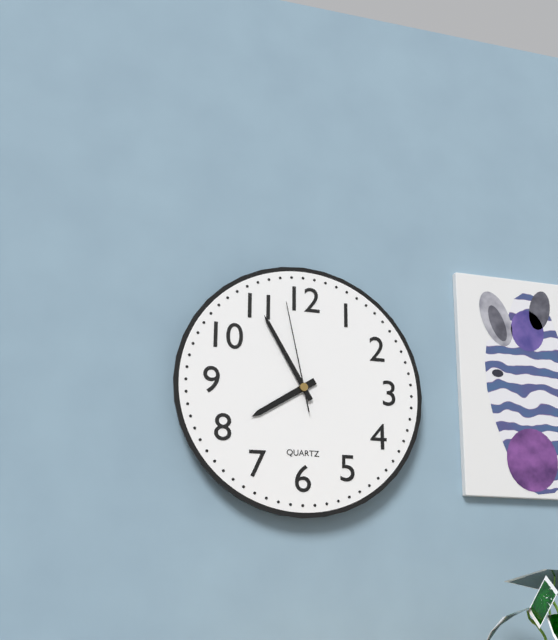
h=7 m=55 s=58
